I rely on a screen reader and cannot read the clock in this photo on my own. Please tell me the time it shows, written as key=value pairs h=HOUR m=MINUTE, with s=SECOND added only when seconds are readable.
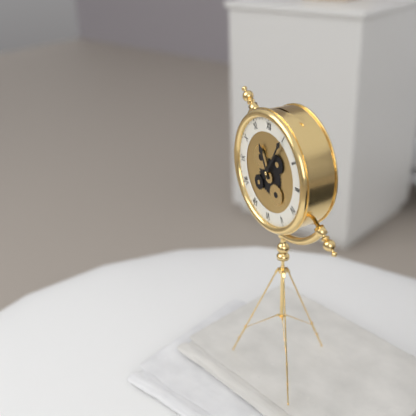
h=11 m=5
